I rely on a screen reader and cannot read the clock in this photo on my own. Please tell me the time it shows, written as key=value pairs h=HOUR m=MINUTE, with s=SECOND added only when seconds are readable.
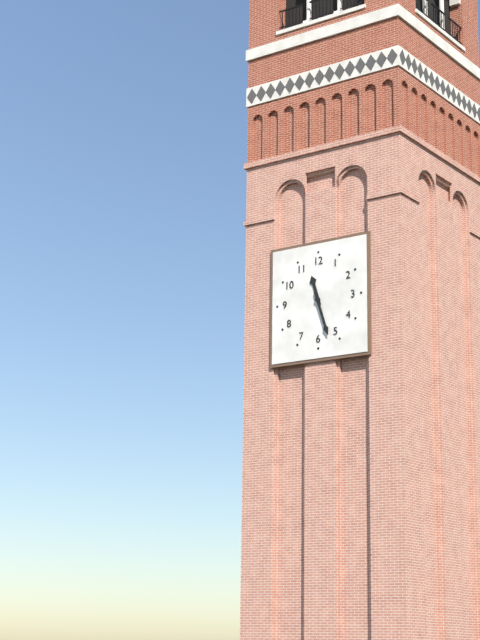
h=11 m=27
